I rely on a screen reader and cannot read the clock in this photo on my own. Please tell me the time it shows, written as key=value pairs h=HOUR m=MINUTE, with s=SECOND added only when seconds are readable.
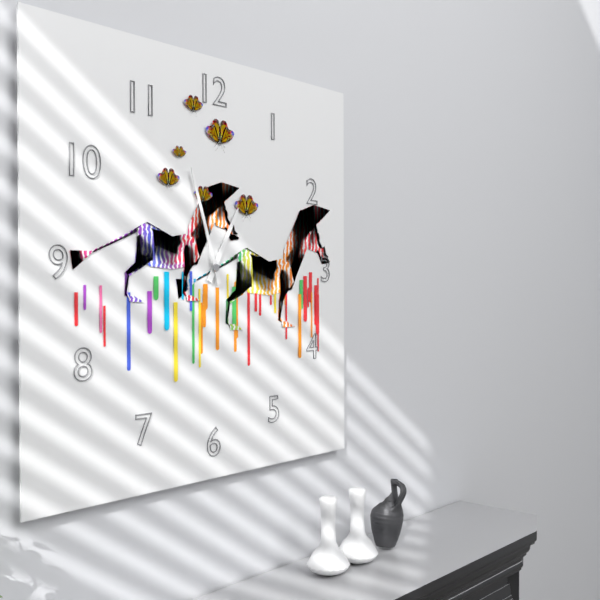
h=12 m=57
